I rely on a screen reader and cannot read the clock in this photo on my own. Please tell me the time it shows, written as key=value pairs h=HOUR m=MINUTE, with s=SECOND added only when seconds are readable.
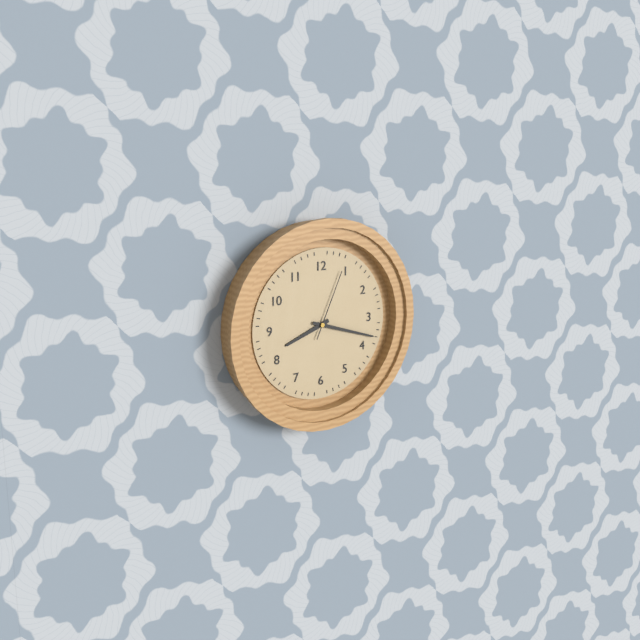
h=8 m=18 s=4
